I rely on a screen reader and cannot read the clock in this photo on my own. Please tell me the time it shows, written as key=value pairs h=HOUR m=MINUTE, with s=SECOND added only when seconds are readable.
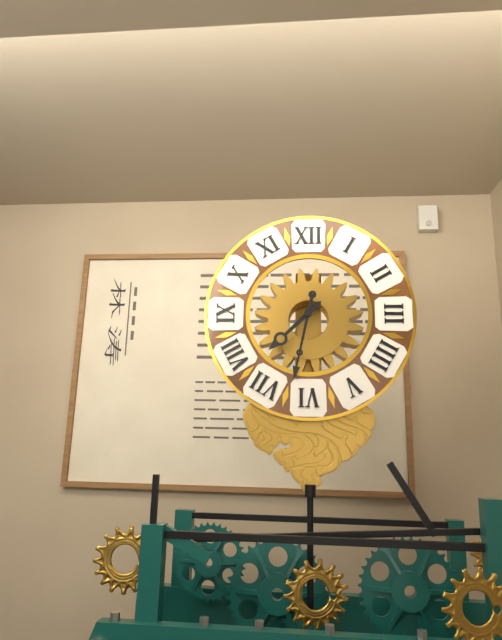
h=7 m=32
